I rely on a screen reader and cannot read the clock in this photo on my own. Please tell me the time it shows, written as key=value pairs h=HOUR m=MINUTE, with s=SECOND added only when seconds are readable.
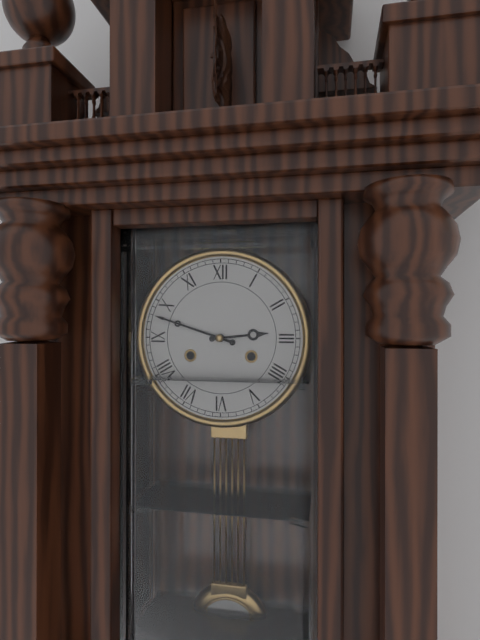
h=2 m=48
